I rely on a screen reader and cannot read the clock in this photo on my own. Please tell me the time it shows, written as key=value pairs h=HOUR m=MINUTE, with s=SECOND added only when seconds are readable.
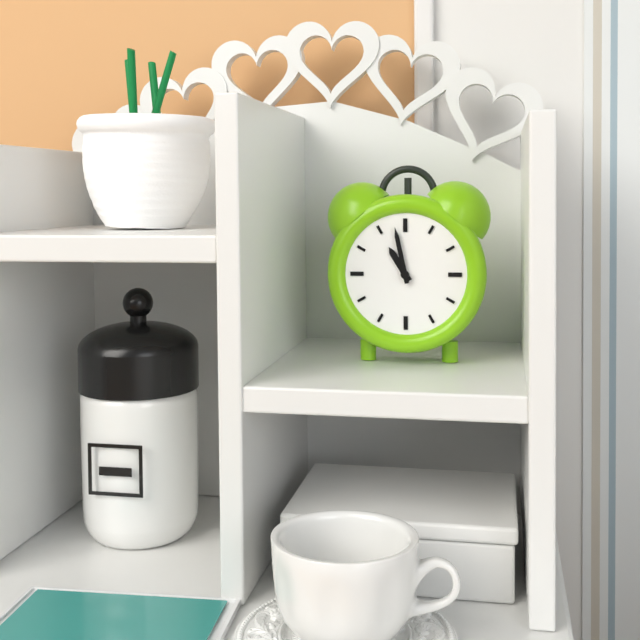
h=10 m=58
